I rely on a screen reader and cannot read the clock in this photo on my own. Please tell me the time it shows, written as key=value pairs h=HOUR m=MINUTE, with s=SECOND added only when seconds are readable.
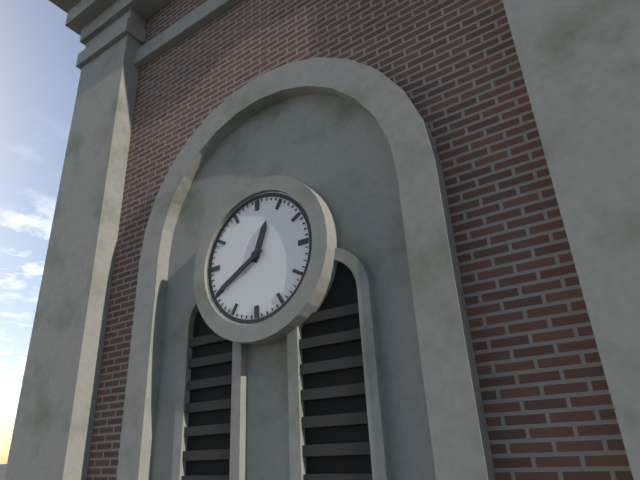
h=12 m=40
